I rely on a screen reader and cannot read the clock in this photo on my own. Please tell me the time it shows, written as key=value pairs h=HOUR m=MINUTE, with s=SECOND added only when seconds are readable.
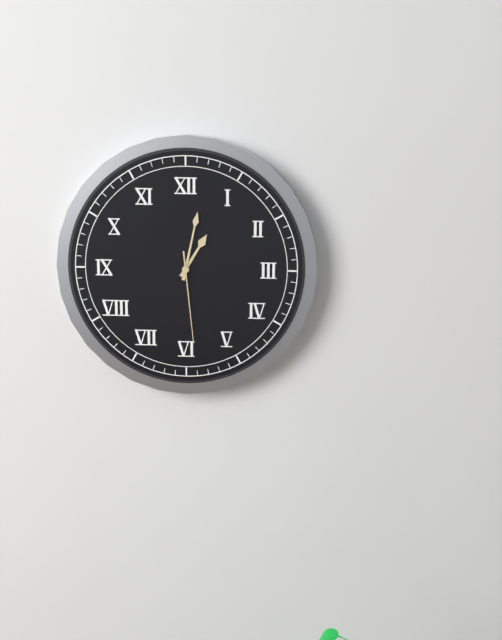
h=1 m=2 s=29
